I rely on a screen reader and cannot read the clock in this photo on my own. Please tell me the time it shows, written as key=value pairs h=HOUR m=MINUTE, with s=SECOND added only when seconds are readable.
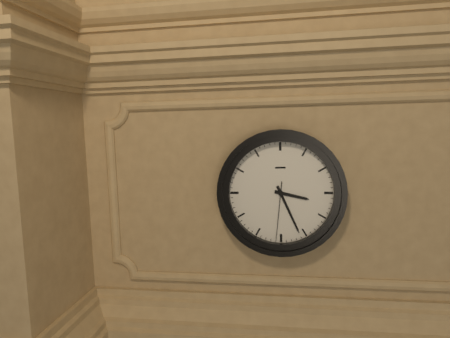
h=3 m=26 s=31
